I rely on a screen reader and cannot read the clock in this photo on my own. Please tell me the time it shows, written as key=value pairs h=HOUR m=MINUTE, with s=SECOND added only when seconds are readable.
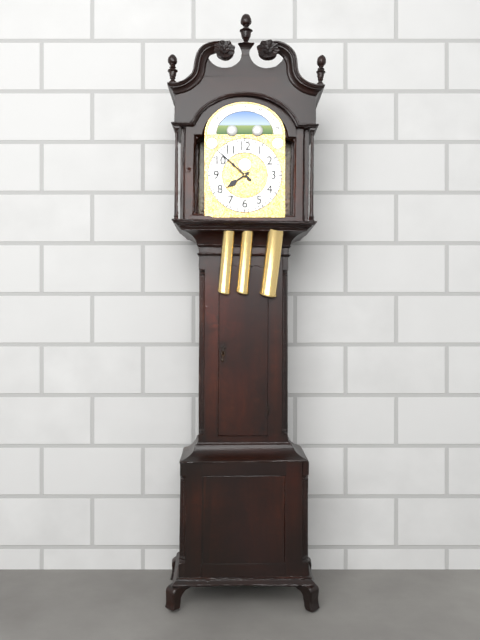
h=7 m=52
